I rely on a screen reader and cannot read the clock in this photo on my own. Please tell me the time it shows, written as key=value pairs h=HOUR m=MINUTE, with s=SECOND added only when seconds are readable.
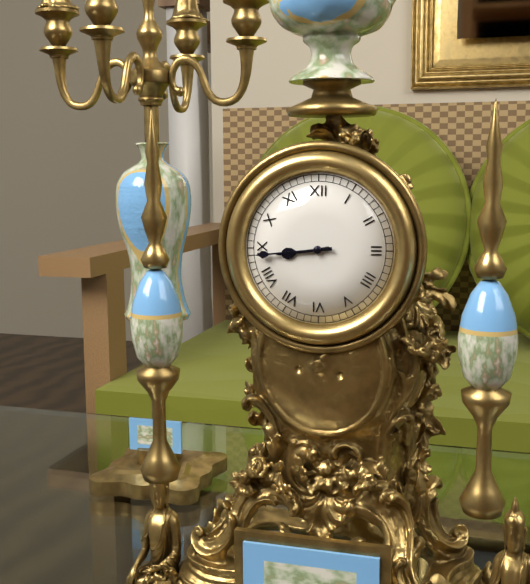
h=8 m=44
